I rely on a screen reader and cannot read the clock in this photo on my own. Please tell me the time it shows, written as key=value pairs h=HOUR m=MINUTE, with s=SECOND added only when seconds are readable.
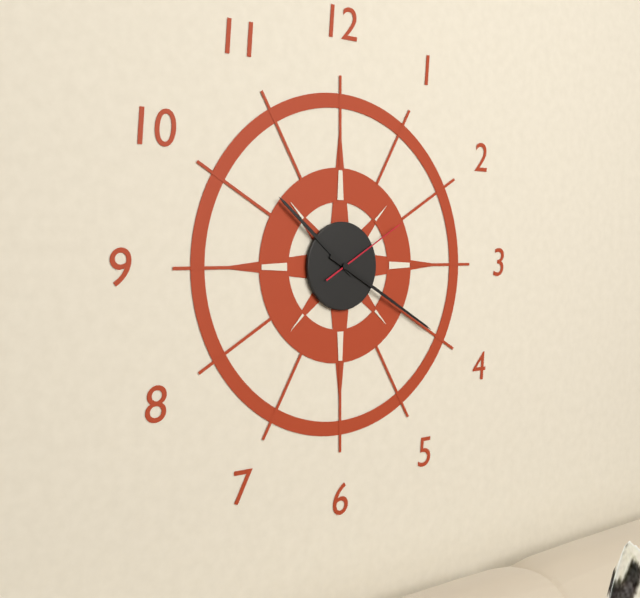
h=10 m=20 s=10
